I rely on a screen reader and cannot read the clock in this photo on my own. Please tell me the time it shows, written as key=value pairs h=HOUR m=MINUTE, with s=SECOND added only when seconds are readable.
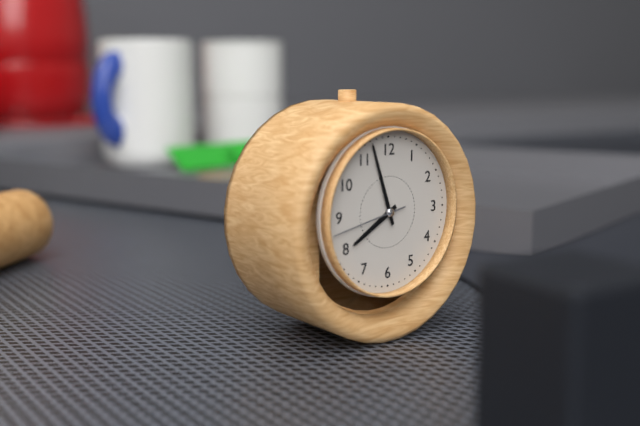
h=7 m=57
